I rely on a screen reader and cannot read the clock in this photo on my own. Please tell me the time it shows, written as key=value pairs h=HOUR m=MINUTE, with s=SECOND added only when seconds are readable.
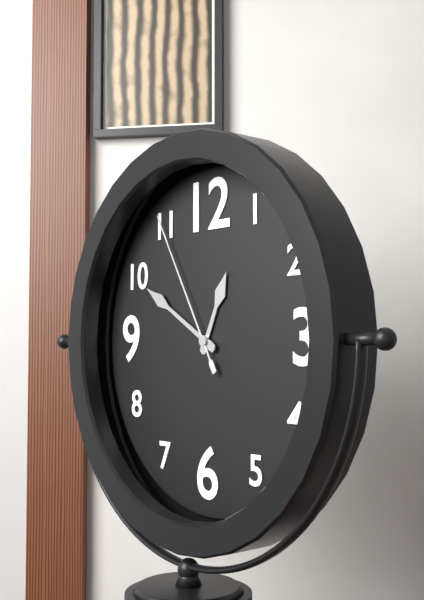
h=12 m=50 s=55
